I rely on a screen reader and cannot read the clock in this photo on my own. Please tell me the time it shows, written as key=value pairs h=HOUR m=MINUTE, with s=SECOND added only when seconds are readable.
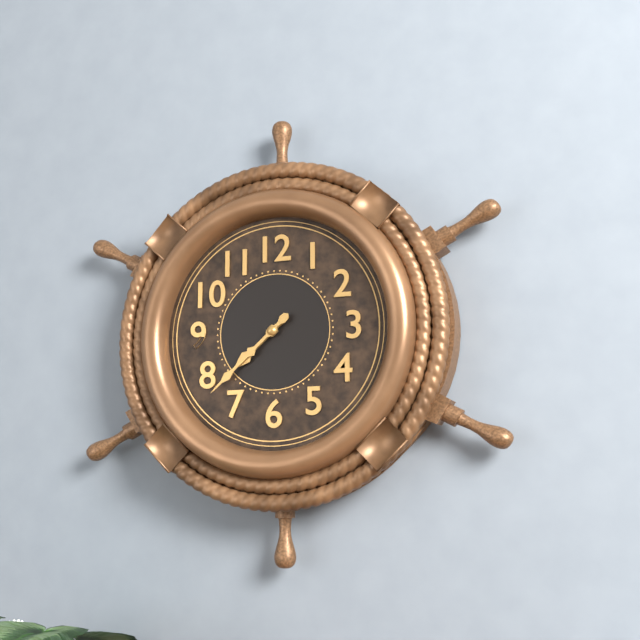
h=7 m=38
